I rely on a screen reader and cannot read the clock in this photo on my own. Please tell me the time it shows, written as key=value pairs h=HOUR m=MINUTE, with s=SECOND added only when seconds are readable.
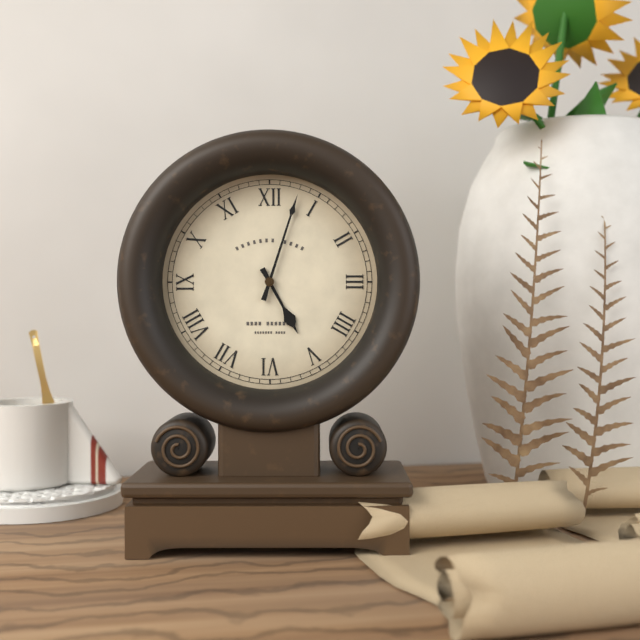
h=5 m=3
